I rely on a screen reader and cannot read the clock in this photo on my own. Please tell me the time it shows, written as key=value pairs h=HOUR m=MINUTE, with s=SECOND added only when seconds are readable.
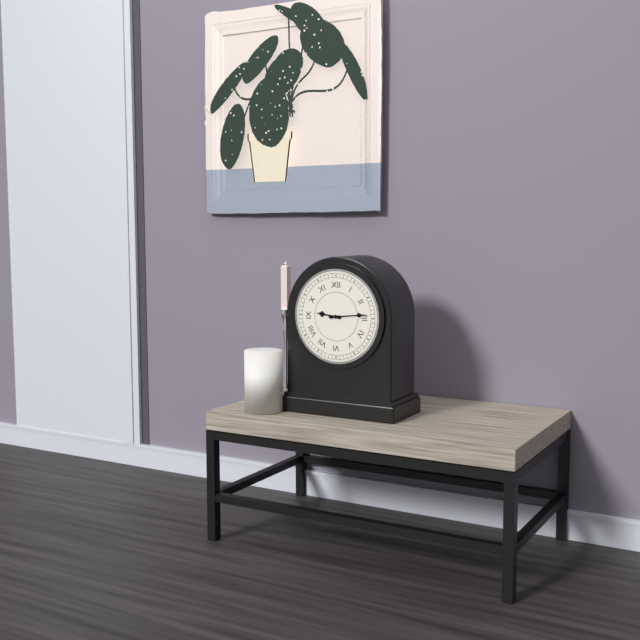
h=9 m=14
